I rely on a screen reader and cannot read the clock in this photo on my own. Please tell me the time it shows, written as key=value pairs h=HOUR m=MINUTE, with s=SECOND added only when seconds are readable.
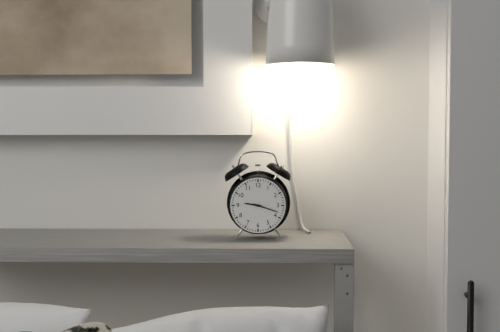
h=9 m=18
